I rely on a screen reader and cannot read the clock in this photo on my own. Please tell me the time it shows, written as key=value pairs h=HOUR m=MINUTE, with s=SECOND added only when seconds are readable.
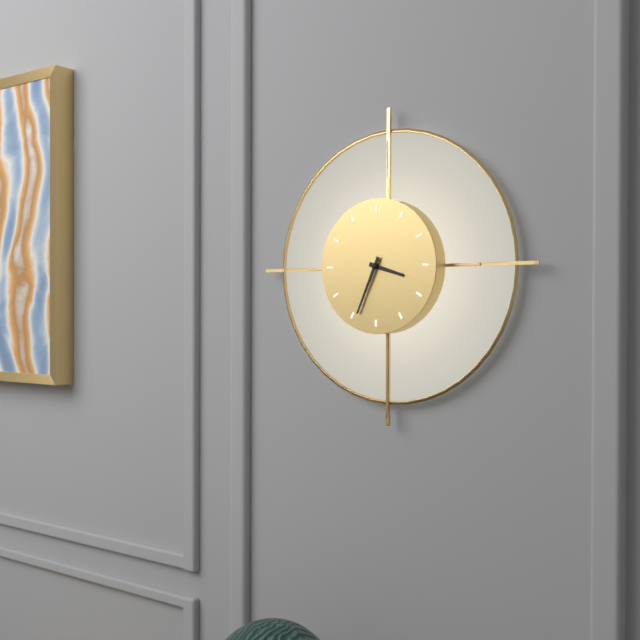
h=3 m=34
